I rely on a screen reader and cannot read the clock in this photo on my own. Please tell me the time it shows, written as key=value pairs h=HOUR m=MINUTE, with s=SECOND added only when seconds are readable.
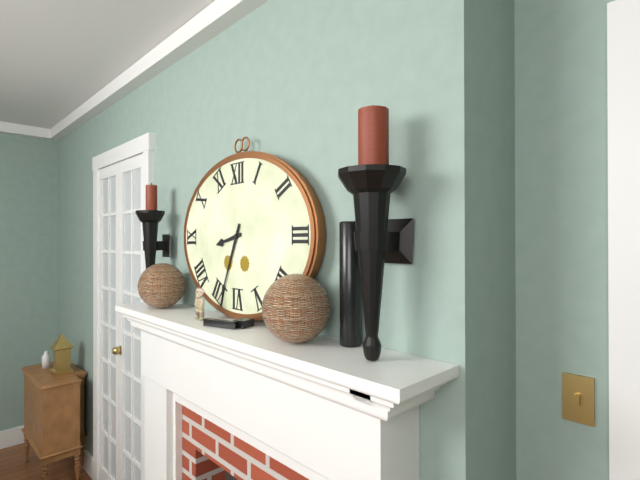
h=8 m=34
